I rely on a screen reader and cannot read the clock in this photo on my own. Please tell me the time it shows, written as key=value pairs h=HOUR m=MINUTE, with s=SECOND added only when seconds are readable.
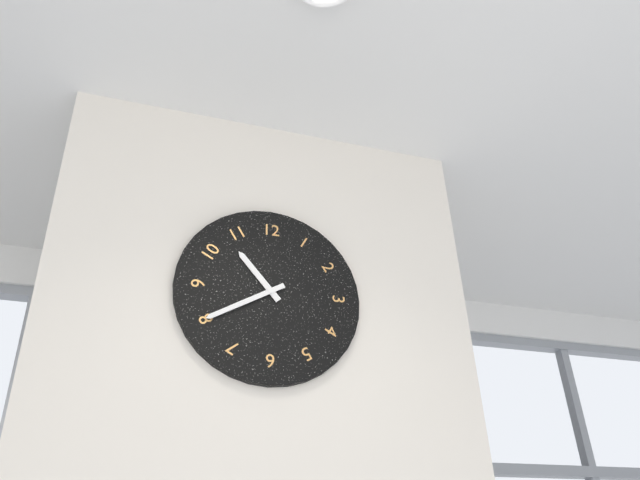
h=10 m=40
